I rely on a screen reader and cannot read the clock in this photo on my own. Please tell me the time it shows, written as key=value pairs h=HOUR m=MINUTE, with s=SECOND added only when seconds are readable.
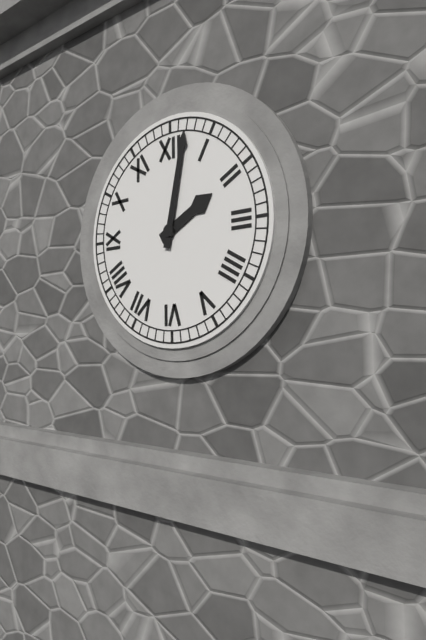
h=2 m=2
